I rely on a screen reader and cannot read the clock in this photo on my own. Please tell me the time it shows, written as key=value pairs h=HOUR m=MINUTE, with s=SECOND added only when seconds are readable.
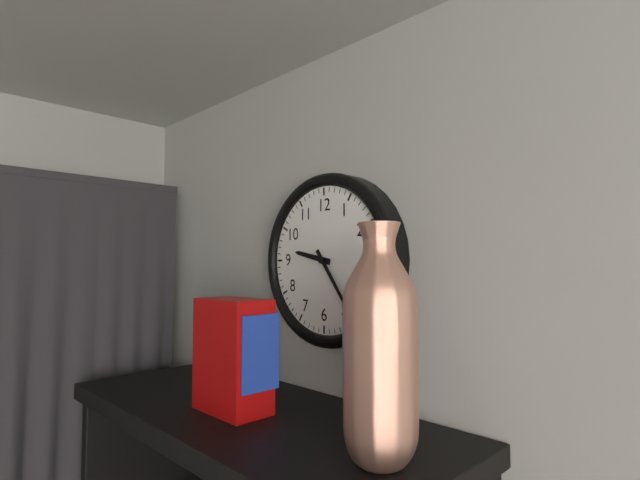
h=9 m=24
